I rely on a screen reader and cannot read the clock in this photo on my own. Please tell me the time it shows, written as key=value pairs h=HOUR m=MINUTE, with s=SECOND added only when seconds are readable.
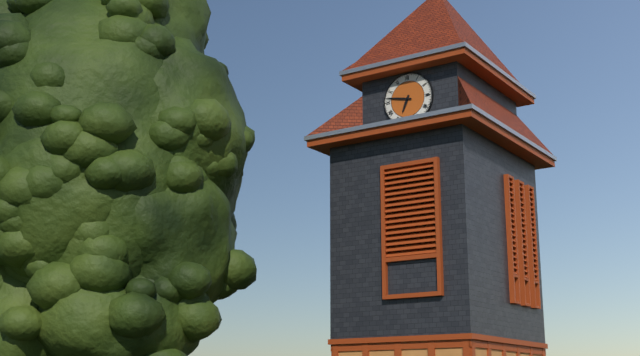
h=6 m=47
